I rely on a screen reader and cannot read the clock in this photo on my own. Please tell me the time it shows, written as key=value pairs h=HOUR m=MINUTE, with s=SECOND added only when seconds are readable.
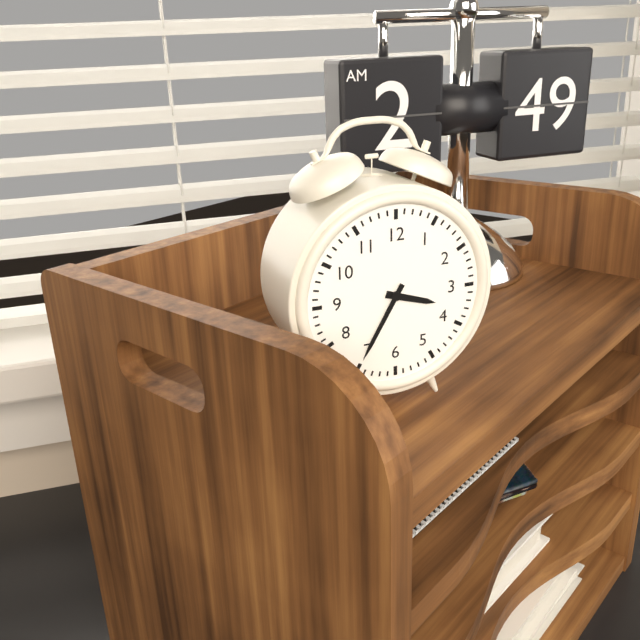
h=3 m=35
